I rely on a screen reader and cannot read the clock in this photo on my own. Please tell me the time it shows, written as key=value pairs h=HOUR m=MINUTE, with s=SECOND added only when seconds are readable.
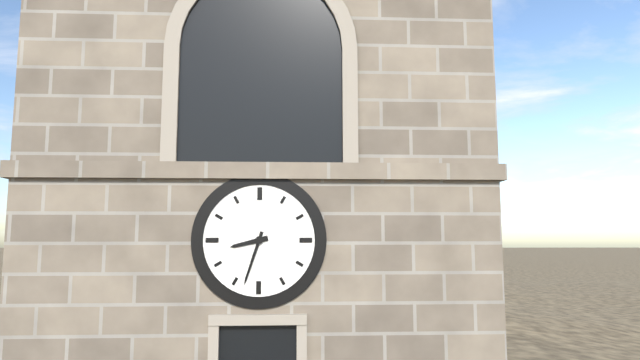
h=8 m=33
